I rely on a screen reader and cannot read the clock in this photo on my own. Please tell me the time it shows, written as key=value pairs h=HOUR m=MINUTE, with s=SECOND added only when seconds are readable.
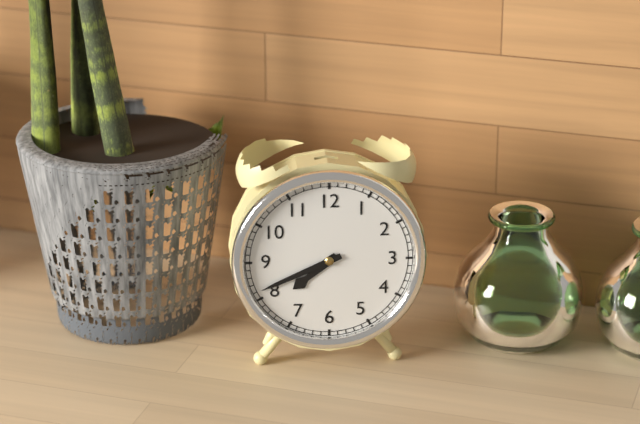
h=7 m=41
